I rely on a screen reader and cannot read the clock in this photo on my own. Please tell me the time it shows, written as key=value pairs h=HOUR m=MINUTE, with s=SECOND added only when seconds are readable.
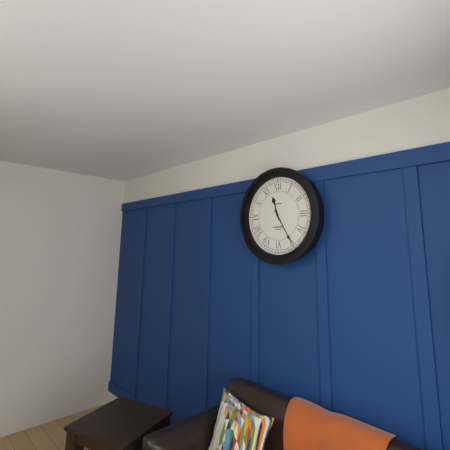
h=11 m=25
